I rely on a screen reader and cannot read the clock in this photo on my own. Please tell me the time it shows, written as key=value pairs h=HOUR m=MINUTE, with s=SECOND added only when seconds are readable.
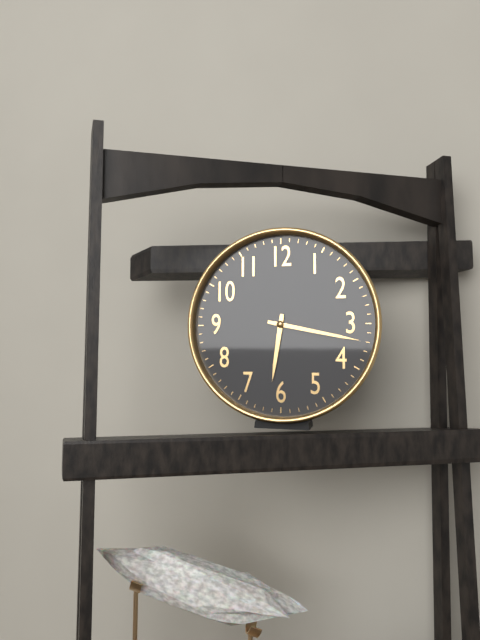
h=6 m=17
